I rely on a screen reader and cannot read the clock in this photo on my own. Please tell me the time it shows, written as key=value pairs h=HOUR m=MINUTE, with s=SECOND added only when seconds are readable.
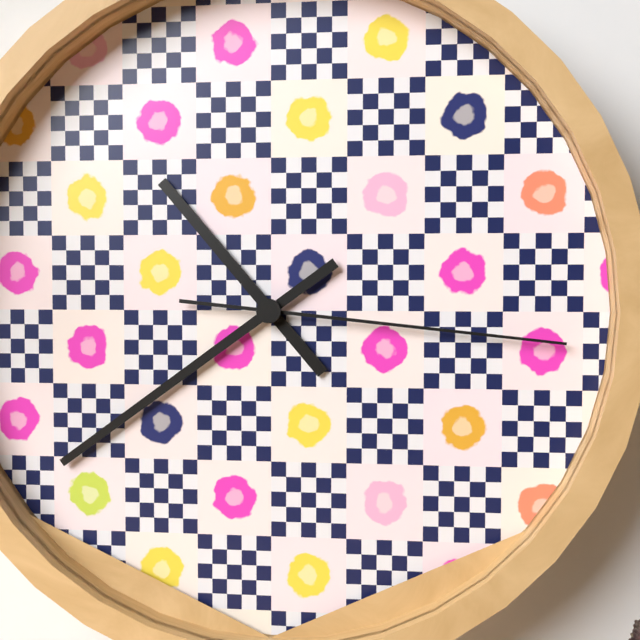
h=10 m=39 s=16
